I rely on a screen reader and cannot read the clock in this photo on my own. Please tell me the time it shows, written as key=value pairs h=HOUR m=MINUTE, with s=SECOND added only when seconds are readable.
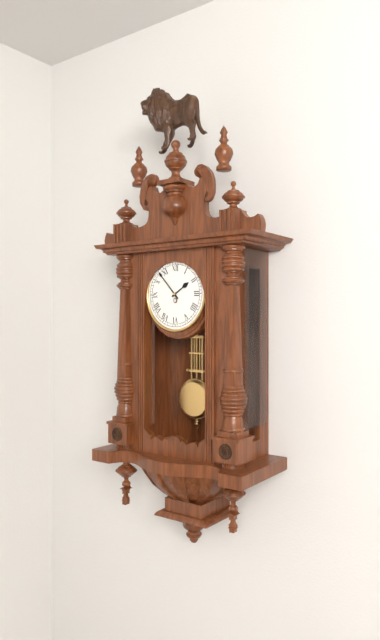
h=1 m=53
